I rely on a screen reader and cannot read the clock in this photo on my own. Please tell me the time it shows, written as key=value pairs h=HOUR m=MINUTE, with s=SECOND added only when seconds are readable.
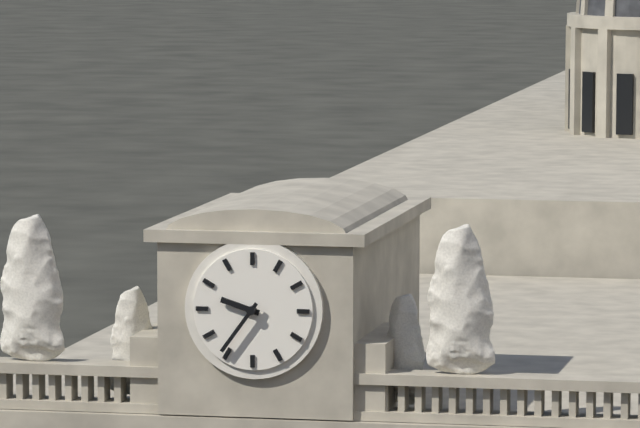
h=9 m=36
